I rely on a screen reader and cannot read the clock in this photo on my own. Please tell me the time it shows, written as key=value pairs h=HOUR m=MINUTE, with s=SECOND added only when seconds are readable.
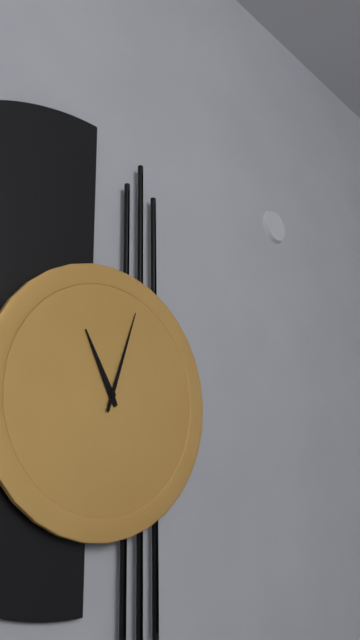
h=11 m=3
